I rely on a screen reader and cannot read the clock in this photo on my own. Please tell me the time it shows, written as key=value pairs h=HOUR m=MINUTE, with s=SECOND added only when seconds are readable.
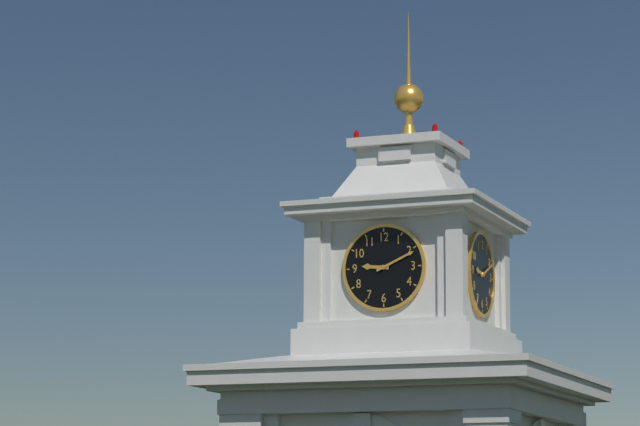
h=9 m=11
